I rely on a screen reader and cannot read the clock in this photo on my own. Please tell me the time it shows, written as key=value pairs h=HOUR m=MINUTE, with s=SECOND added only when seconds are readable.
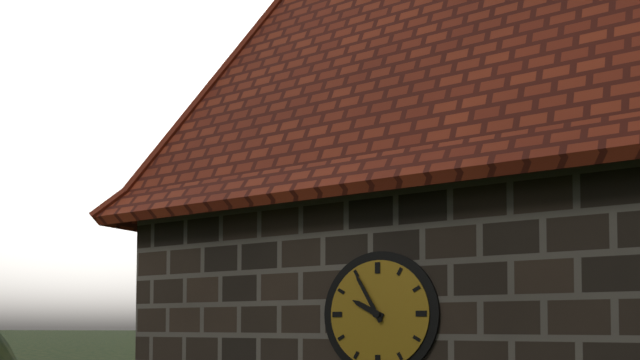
h=9 m=55
